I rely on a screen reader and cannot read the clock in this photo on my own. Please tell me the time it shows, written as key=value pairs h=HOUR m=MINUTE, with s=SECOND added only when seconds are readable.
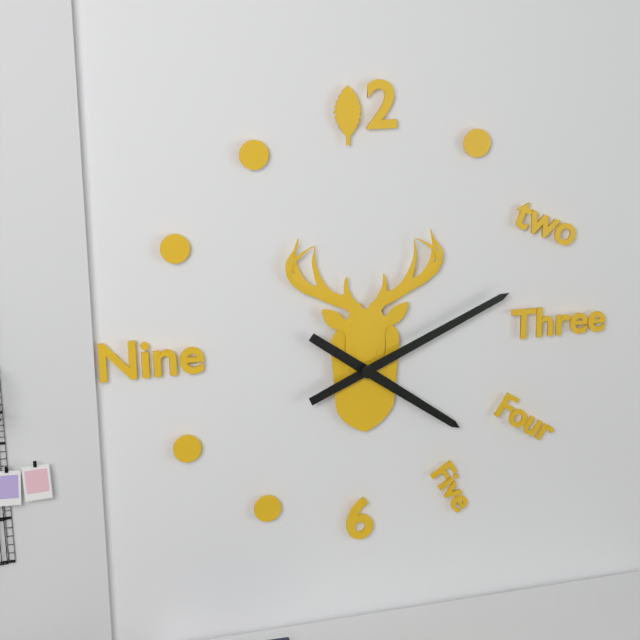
h=4 m=11
